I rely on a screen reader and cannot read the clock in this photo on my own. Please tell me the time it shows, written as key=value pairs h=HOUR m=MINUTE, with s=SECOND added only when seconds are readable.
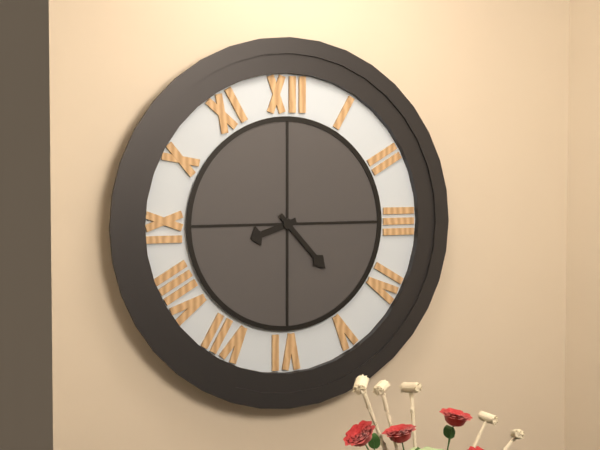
h=8 m=23
